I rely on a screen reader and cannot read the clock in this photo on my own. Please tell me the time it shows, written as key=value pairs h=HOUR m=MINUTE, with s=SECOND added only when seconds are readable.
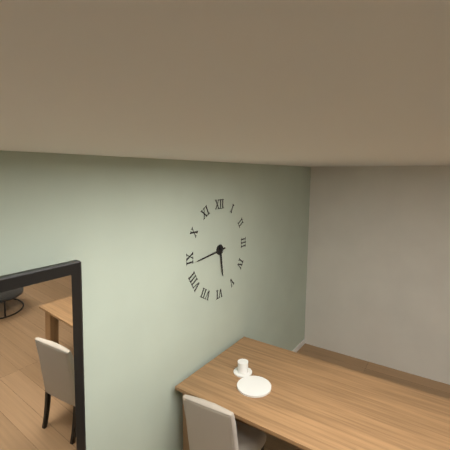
h=5 m=44
